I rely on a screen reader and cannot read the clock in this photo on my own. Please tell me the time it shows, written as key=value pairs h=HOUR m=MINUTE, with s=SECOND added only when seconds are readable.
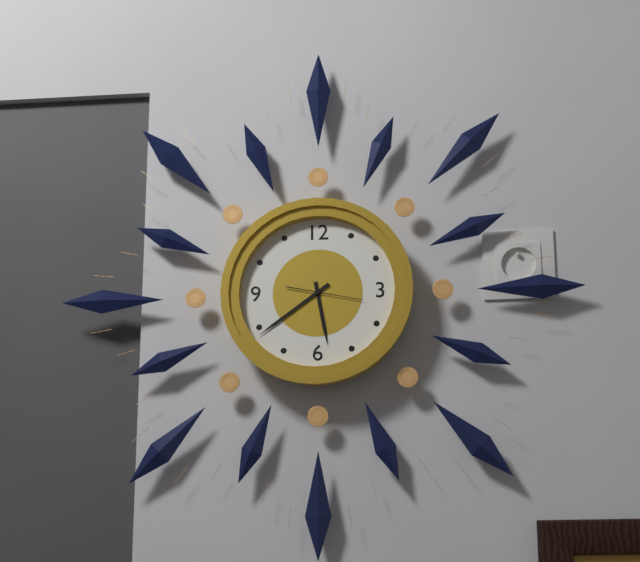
h=5 m=39 s=17
